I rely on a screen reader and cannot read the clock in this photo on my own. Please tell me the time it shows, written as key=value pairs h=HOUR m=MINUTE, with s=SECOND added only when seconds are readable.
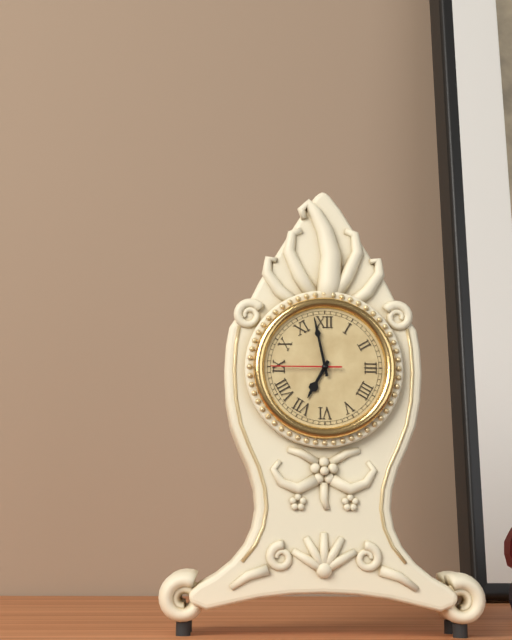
h=6 m=58 s=45
